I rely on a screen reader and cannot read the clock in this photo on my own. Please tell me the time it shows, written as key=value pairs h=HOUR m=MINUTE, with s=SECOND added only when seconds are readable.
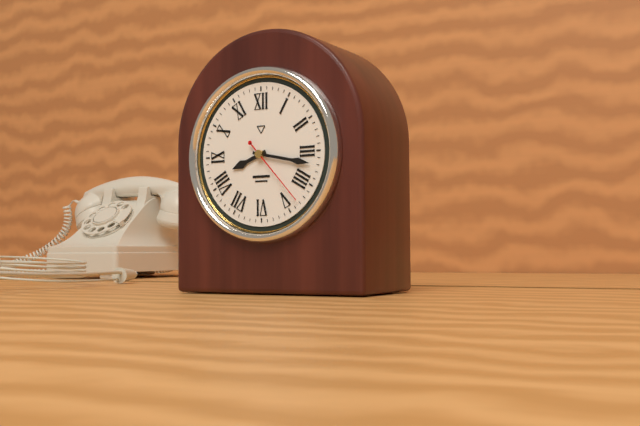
h=8 m=17 s=23
